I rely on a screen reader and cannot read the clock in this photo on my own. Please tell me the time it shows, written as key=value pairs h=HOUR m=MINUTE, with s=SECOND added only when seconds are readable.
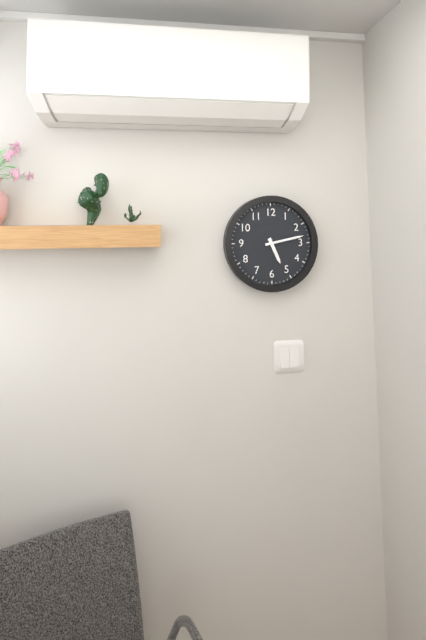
h=5 m=13
